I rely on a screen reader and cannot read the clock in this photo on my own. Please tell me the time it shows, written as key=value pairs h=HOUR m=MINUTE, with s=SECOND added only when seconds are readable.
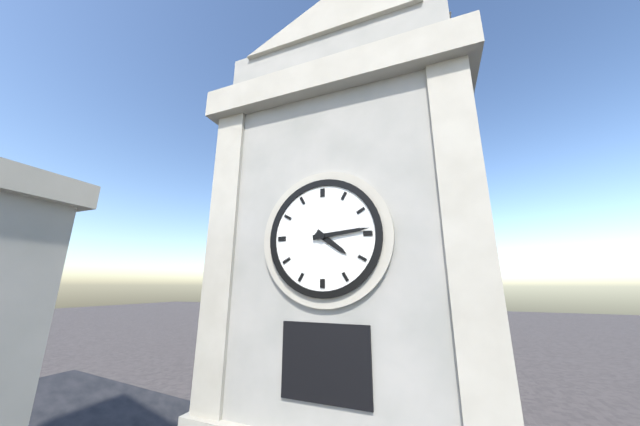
h=4 m=14
